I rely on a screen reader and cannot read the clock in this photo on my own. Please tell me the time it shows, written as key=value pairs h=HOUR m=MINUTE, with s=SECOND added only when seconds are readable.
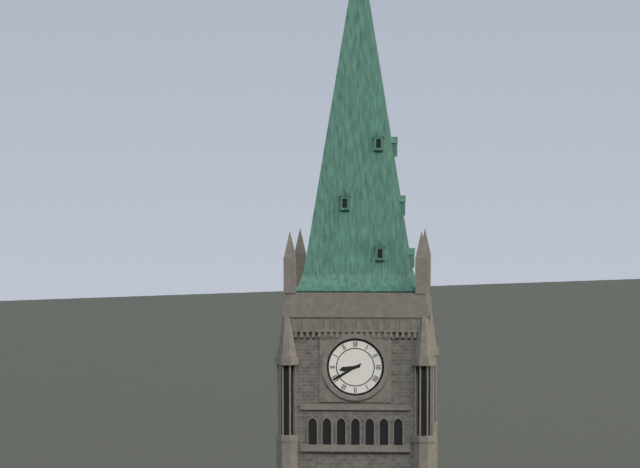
h=8 m=40
